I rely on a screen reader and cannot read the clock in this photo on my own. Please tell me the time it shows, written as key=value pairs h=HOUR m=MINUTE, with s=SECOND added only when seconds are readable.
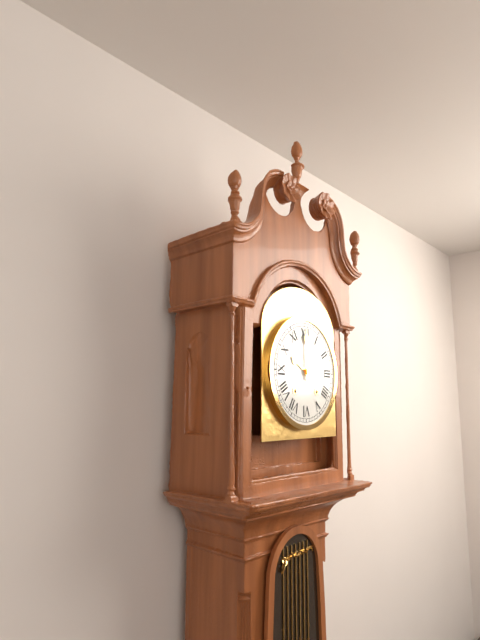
h=10 m=0
